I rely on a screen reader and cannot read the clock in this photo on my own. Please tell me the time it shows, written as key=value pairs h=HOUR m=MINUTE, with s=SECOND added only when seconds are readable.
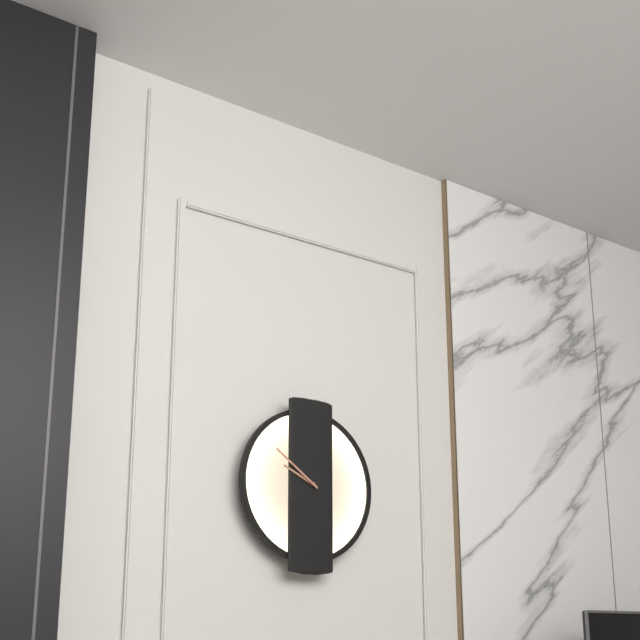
h=9 m=51
